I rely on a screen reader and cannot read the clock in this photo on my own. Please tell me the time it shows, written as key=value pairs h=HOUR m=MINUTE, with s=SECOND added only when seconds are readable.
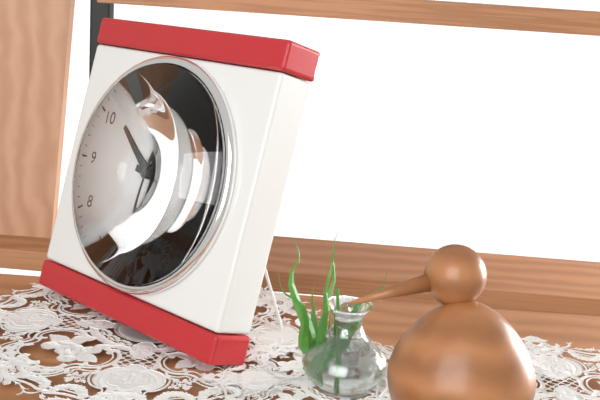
h=10 m=17 s=31
